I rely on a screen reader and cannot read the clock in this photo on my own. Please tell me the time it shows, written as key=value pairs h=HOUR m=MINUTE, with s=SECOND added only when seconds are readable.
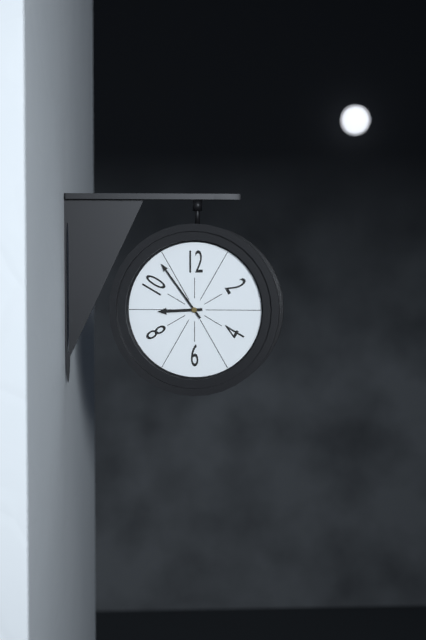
h=8 m=54
